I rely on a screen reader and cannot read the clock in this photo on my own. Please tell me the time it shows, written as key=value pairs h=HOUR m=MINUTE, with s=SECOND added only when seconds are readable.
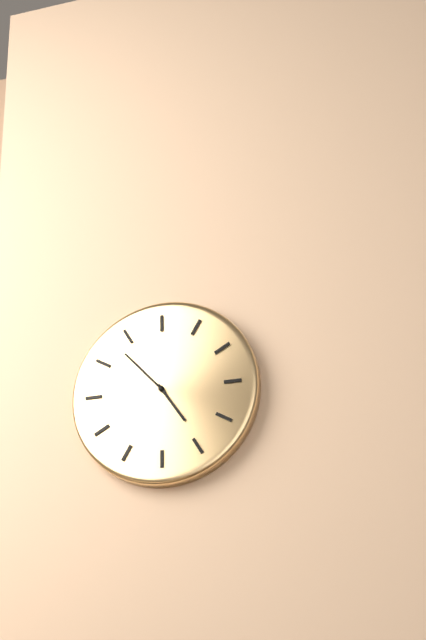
h=4 m=53
